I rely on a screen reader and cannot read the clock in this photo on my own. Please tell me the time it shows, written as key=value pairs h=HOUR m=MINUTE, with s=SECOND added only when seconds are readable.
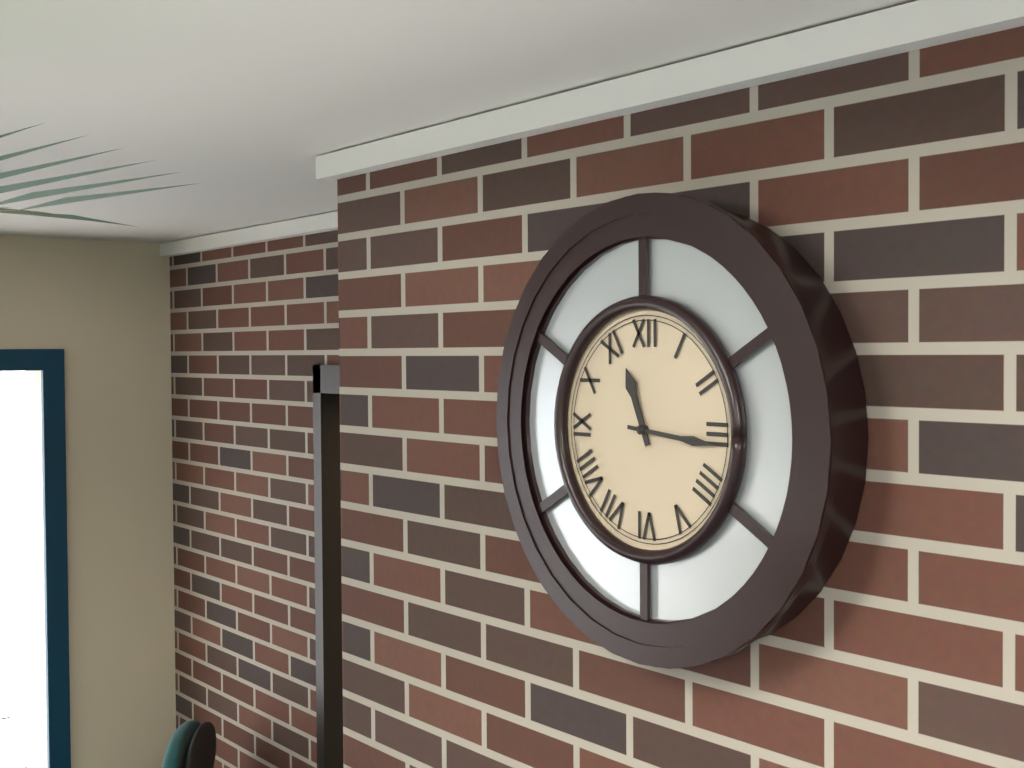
h=11 m=16
